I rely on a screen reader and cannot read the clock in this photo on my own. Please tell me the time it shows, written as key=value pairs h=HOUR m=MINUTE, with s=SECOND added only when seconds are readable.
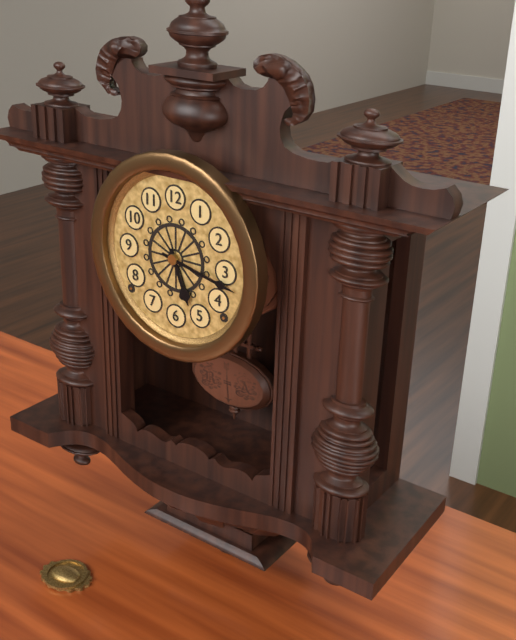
h=5 m=17
